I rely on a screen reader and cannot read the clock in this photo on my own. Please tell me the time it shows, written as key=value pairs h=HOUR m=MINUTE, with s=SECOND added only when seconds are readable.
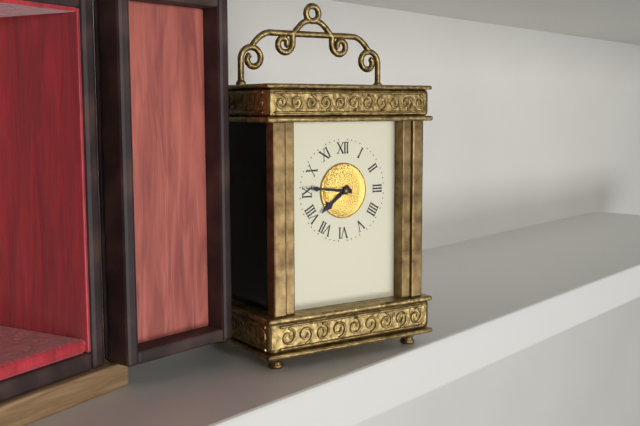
h=7 m=46
